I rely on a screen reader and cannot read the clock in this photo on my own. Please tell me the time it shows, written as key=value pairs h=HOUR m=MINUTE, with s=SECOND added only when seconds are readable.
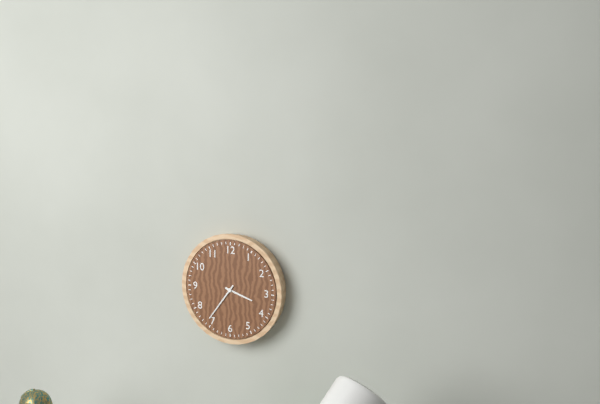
h=3 m=36
